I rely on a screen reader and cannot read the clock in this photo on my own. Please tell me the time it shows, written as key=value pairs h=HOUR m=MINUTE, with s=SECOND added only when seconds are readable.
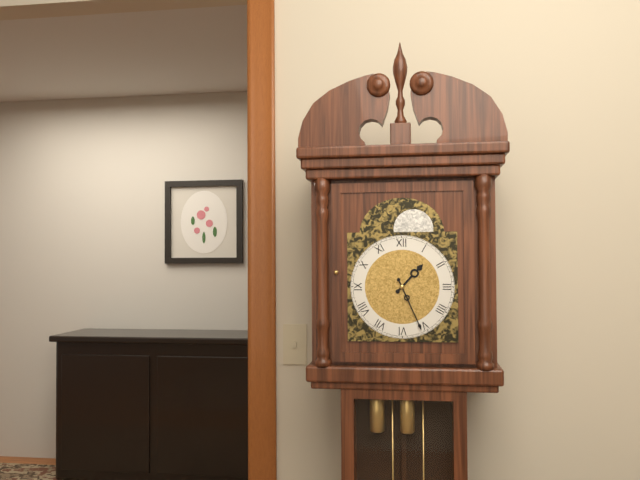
h=1 m=26
